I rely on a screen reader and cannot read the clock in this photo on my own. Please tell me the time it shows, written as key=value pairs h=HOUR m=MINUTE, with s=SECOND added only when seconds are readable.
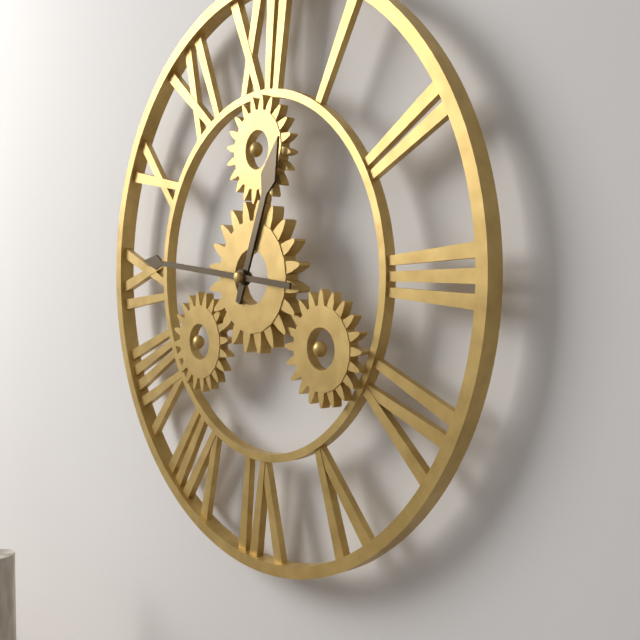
h=12 m=46
